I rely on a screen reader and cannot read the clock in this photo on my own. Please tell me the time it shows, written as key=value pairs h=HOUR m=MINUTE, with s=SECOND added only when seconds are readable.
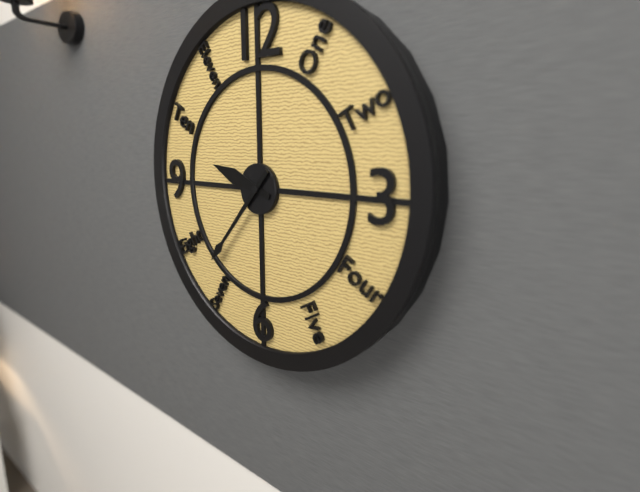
h=9 m=37
